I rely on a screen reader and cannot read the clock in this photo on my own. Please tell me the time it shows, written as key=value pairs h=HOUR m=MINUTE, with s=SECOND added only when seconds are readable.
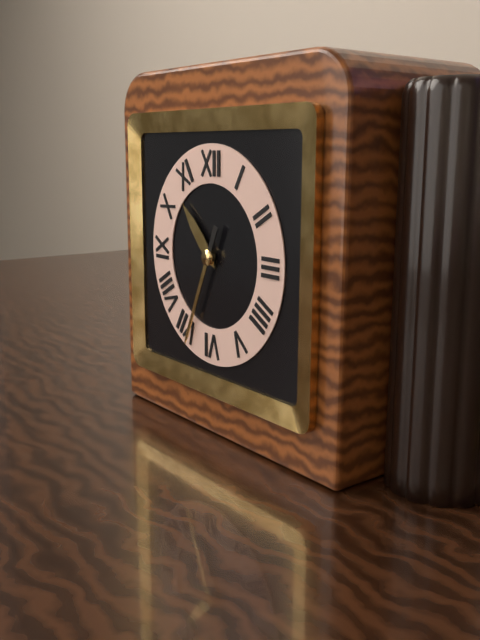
h=10 m=34
